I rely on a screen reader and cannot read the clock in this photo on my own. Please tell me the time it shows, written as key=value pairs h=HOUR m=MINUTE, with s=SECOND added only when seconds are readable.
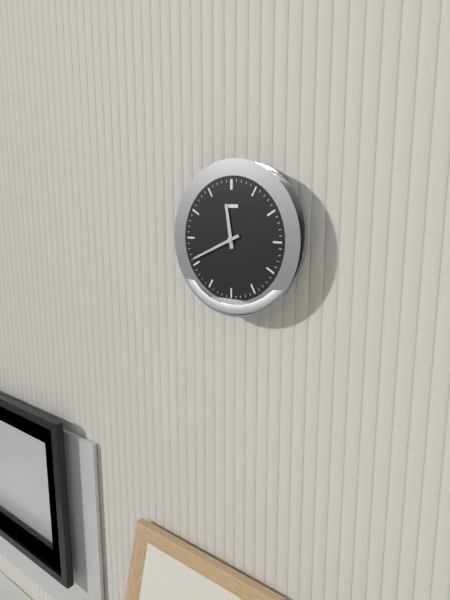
h=11 m=41
